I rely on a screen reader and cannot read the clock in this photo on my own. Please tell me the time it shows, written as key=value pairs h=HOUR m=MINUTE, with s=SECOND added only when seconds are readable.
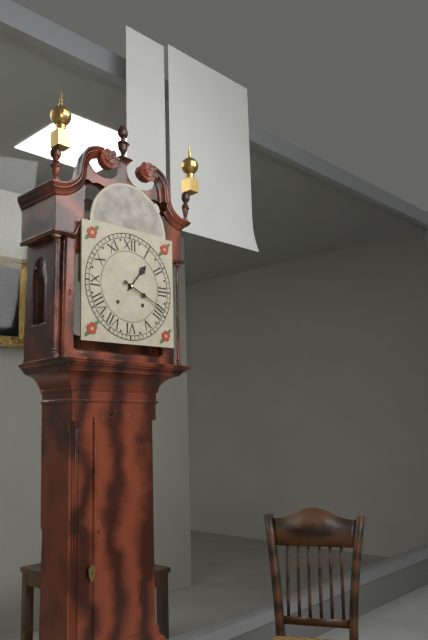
h=1 m=19
